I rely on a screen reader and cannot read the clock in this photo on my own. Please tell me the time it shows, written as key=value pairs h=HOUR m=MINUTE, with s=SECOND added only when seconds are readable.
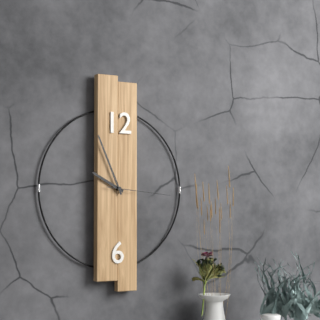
h=9 m=56 s=16
